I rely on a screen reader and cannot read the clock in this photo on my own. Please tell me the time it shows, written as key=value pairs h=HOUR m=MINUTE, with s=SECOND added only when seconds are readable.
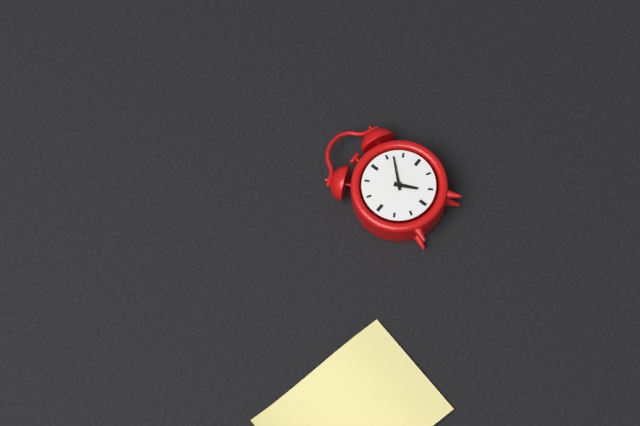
h=5 m=7
